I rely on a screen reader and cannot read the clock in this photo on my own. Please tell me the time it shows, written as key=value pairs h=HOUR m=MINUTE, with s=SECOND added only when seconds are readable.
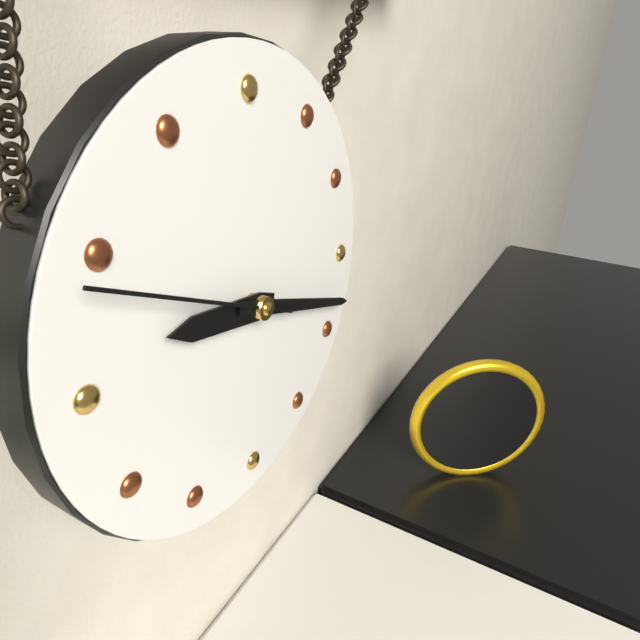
h=9 m=18 s=49
